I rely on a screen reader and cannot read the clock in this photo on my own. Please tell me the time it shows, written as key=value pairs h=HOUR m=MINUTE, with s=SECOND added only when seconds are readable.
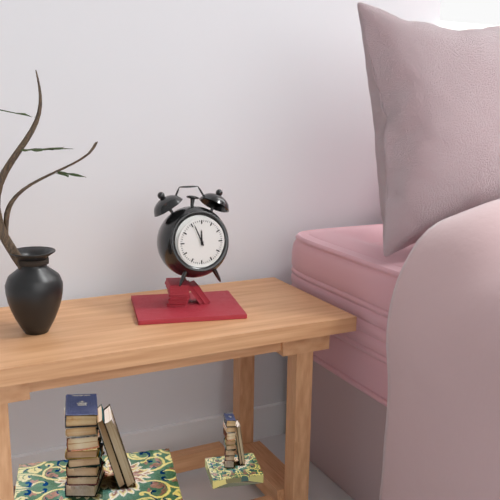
h=11 m=56
